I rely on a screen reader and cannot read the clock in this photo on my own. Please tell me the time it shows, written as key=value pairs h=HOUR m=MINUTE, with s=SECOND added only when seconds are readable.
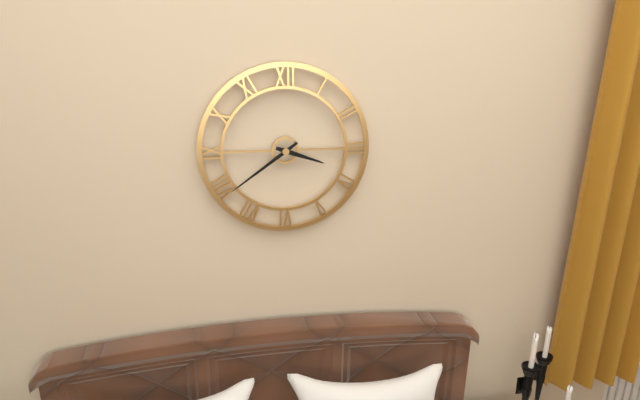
h=3 m=39
